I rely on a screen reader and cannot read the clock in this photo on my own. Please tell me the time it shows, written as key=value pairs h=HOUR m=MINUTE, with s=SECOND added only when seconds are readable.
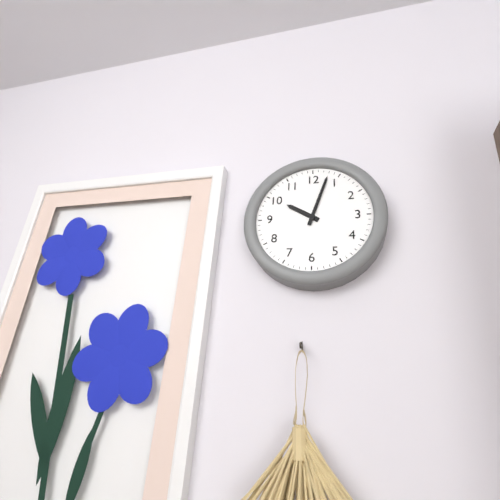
h=10 m=3
